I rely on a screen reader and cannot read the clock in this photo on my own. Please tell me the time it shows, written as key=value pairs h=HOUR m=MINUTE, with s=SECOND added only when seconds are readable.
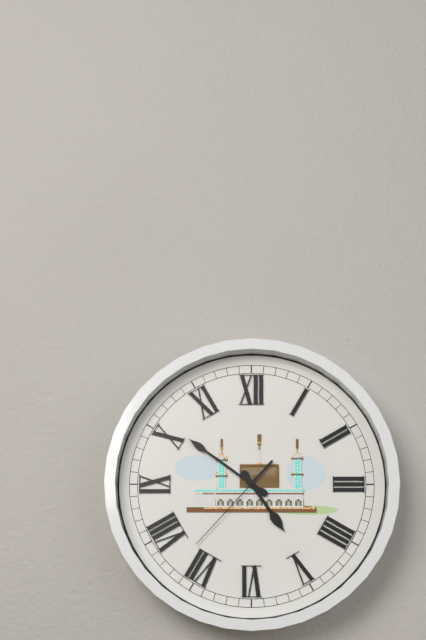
h=4 m=51 s=37
